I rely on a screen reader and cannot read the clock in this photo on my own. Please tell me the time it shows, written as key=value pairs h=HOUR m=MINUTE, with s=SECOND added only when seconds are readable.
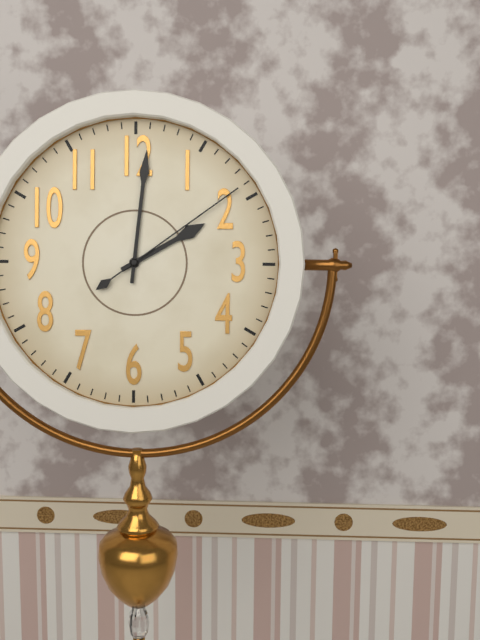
h=2 m=1 s=9
